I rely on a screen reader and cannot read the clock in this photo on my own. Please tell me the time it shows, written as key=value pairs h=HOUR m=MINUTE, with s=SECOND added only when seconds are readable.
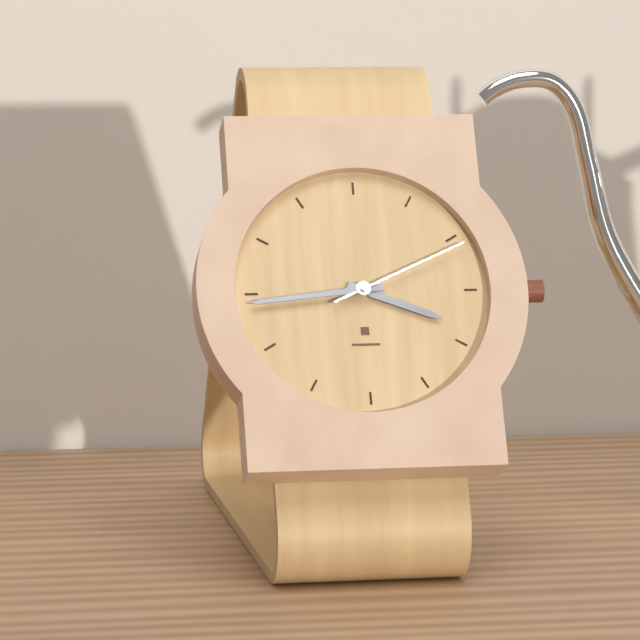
h=3 m=44 s=11
